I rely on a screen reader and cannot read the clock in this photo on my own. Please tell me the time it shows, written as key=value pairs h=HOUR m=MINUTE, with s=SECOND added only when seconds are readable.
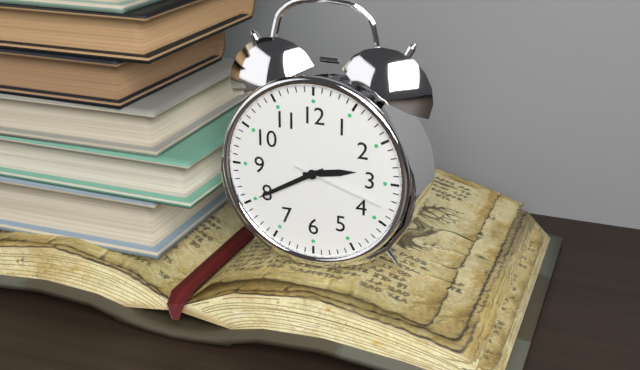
h=2 m=40 s=18
